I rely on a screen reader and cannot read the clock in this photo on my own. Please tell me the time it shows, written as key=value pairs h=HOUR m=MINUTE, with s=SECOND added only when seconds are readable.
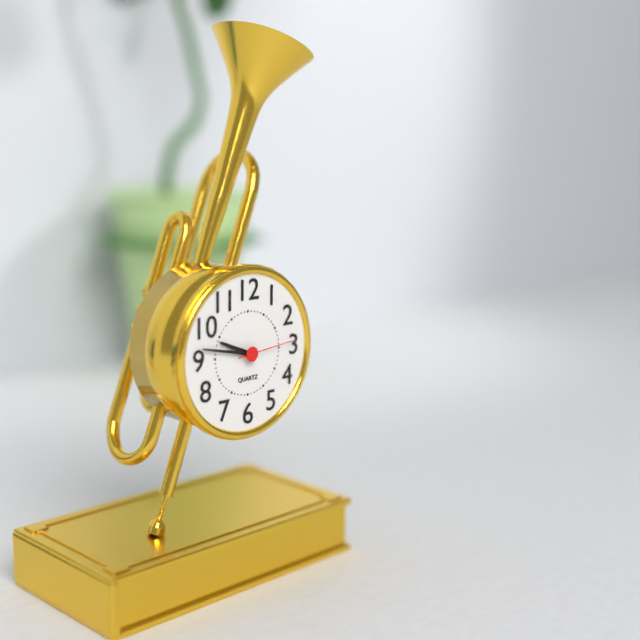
h=9 m=47 s=14
